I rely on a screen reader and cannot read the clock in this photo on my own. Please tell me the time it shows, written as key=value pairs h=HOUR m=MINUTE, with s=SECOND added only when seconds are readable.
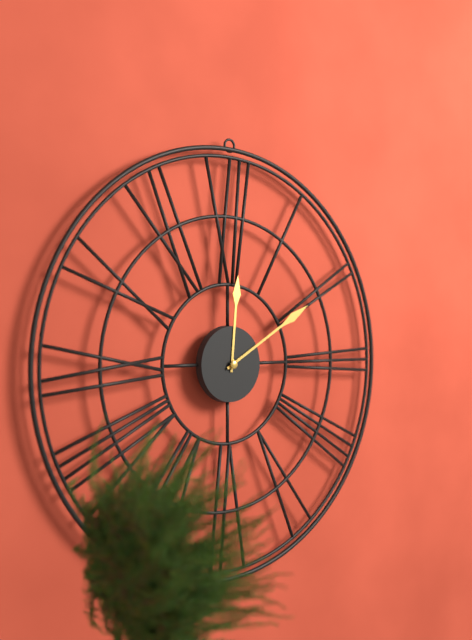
h=12 m=10
